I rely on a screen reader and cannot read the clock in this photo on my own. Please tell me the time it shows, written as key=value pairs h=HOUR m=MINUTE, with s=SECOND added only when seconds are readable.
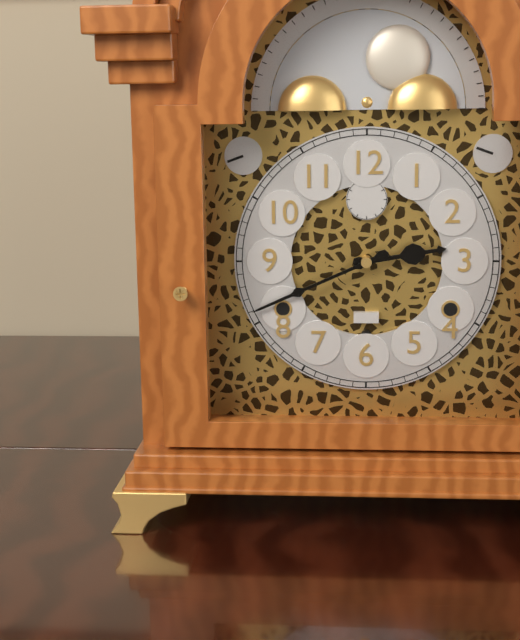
h=2 m=41
